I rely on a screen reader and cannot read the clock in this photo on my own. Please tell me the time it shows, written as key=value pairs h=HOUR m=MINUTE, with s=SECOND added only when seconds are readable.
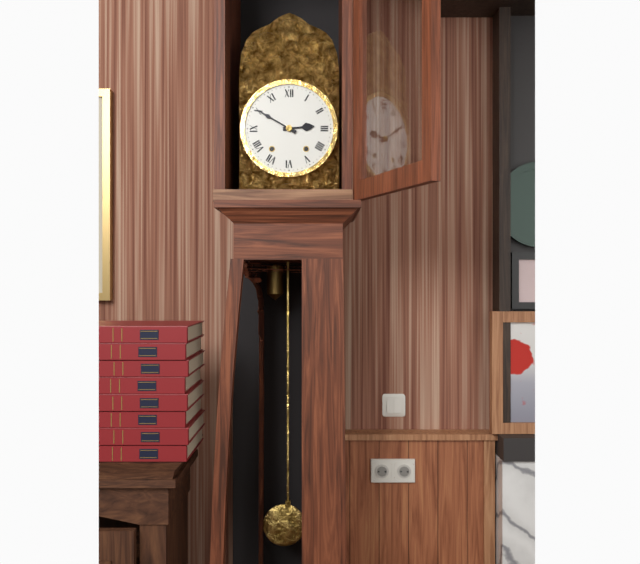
h=2 m=50
